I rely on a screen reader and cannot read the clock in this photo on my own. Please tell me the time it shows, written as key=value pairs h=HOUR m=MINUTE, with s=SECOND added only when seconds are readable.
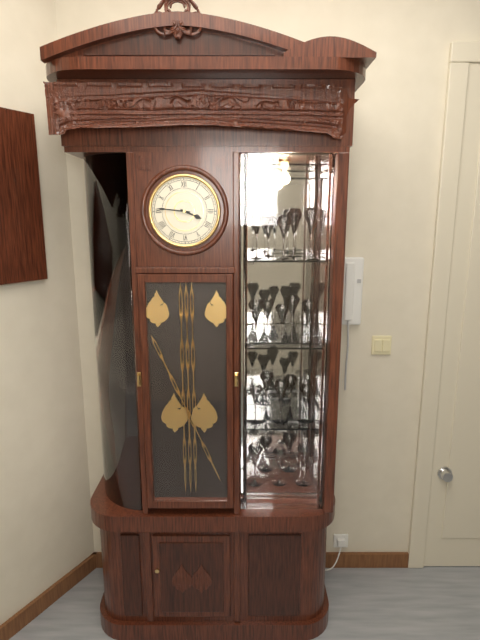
h=3 m=46
